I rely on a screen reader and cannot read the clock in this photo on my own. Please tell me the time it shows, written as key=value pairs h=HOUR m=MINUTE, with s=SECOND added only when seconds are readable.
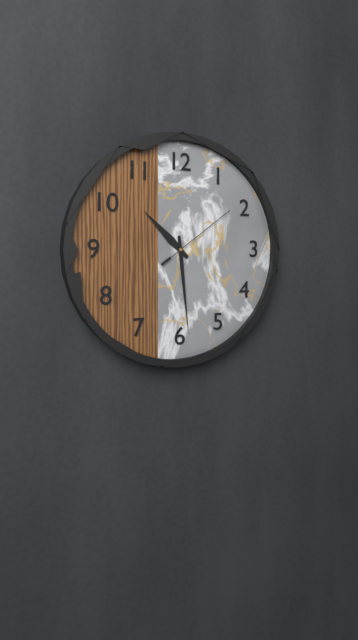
h=10 m=29 s=9
